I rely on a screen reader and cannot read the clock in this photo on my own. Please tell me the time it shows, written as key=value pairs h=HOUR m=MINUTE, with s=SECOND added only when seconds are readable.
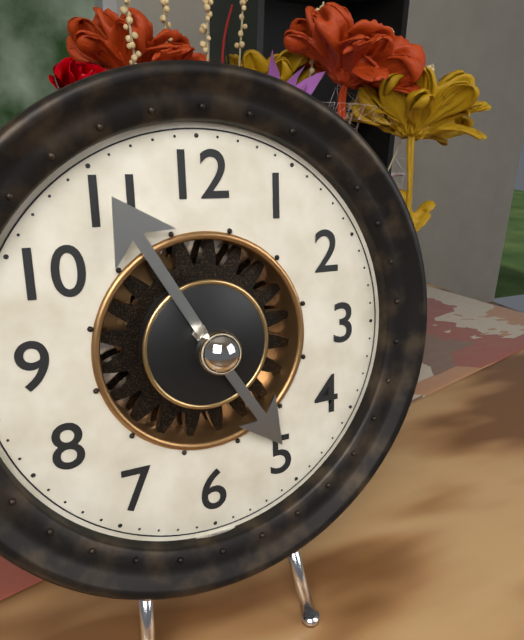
h=4 m=55
